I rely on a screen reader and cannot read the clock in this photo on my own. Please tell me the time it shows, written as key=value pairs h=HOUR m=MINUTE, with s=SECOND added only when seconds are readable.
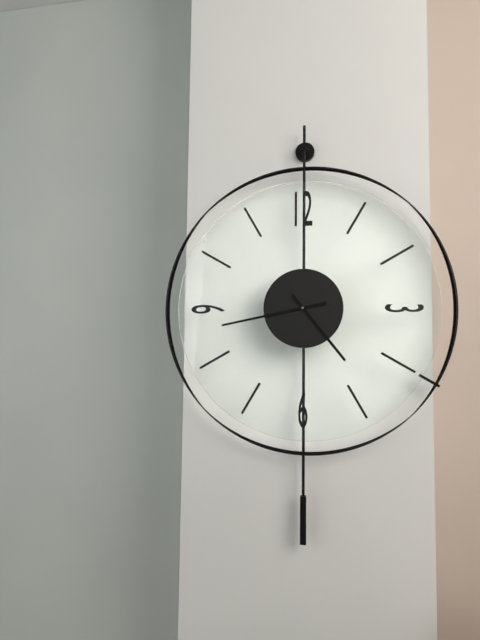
h=4 m=43
